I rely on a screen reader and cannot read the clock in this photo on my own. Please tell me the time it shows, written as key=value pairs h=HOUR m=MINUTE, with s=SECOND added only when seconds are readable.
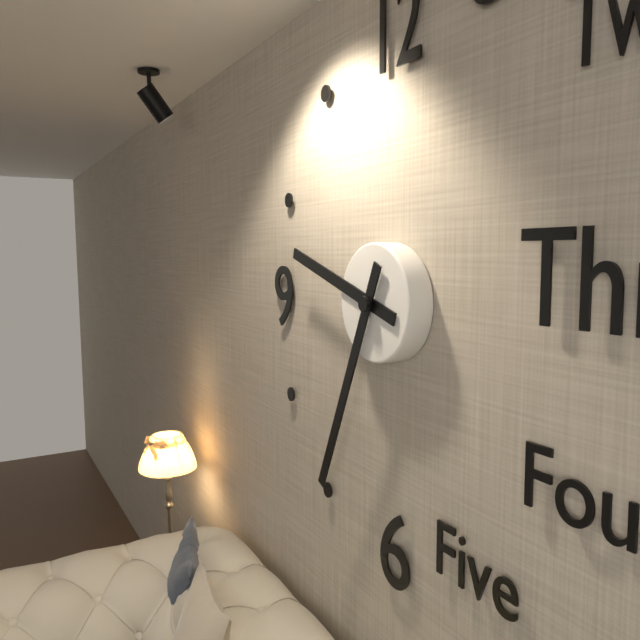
h=9 m=34
